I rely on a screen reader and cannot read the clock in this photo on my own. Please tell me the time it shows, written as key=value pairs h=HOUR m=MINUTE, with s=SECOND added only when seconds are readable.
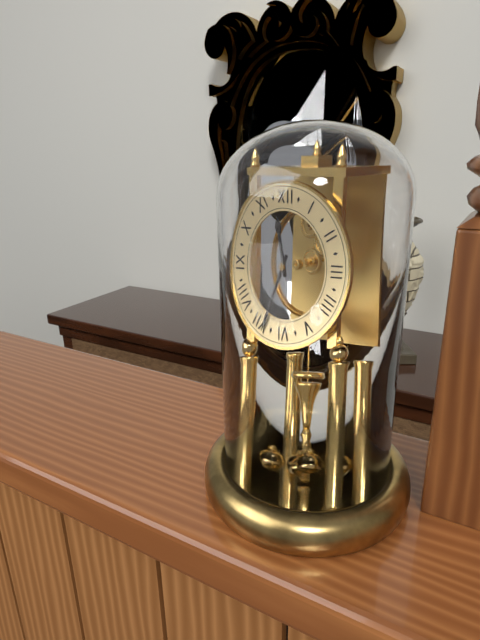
h=11 m=34
